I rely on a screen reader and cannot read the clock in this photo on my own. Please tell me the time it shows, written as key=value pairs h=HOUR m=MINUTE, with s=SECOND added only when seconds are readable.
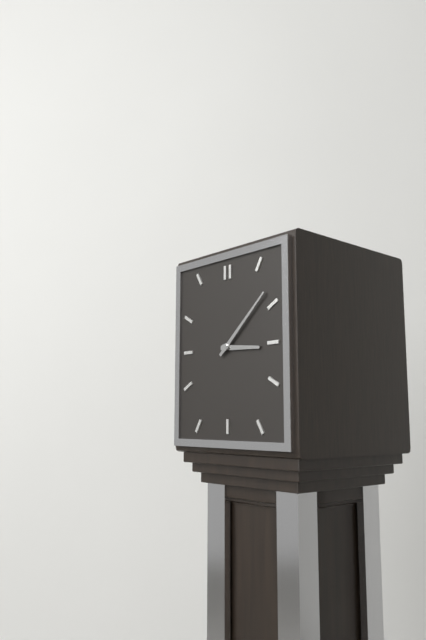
h=3 m=8
